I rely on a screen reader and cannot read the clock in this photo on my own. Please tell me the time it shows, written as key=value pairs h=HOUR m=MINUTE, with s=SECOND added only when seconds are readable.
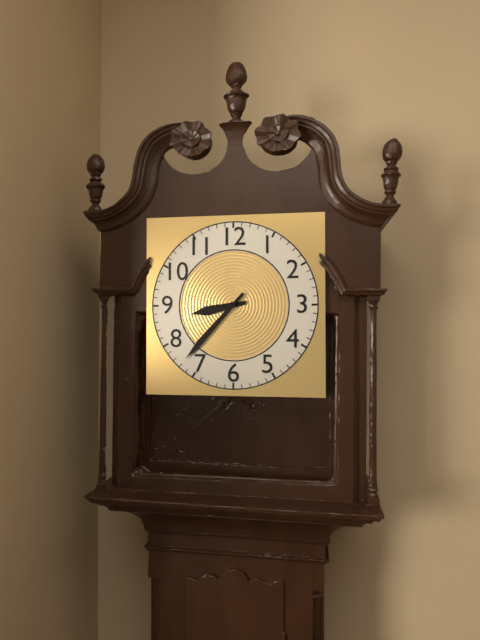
h=8 m=37
